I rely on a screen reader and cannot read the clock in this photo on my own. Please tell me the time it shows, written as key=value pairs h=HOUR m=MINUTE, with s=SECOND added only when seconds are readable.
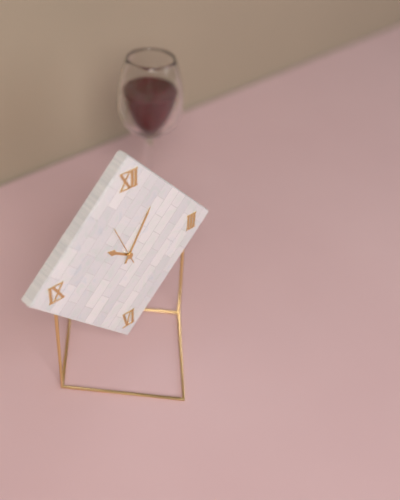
h=10 m=5
